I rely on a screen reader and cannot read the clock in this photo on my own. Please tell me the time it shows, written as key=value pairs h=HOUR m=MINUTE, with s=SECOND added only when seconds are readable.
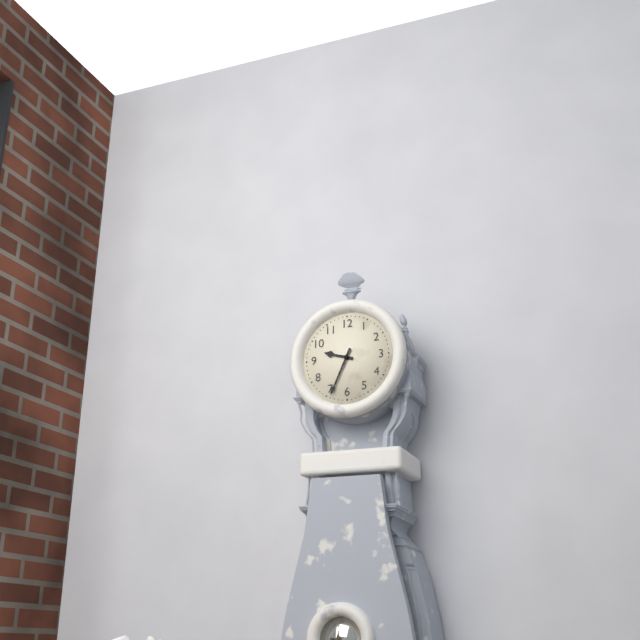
h=9 m=34
